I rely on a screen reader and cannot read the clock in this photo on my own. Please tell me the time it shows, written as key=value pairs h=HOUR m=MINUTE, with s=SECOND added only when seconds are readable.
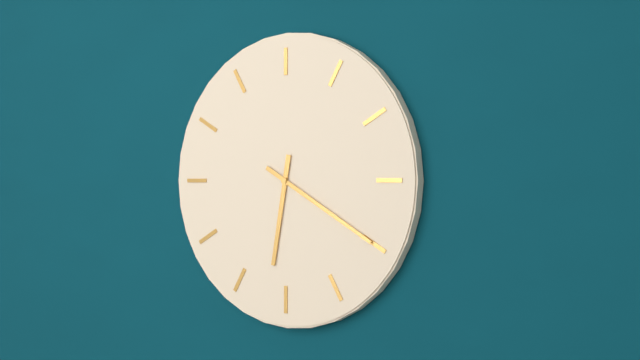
h=6 m=20
